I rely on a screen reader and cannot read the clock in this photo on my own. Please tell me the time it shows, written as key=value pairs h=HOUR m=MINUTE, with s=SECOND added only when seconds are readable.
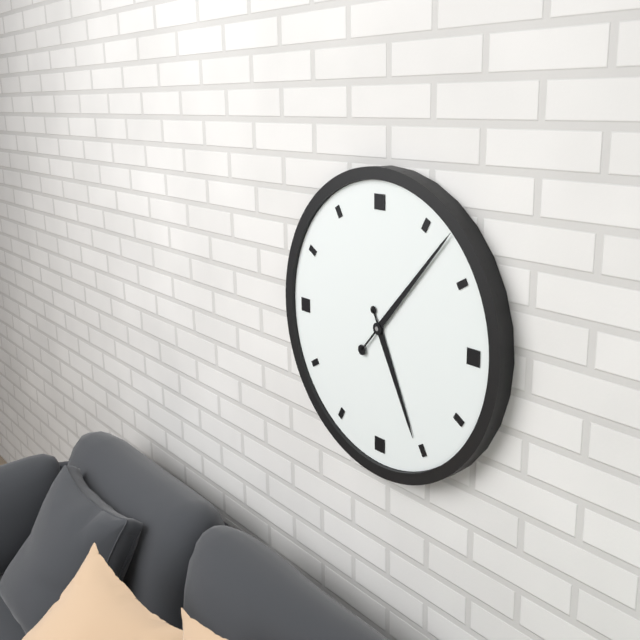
h=5 m=7
